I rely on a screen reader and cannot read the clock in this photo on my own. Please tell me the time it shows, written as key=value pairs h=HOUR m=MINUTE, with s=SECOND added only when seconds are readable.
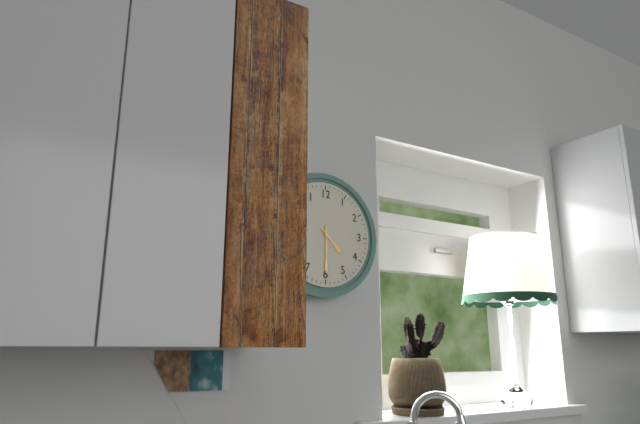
h=4 m=30
